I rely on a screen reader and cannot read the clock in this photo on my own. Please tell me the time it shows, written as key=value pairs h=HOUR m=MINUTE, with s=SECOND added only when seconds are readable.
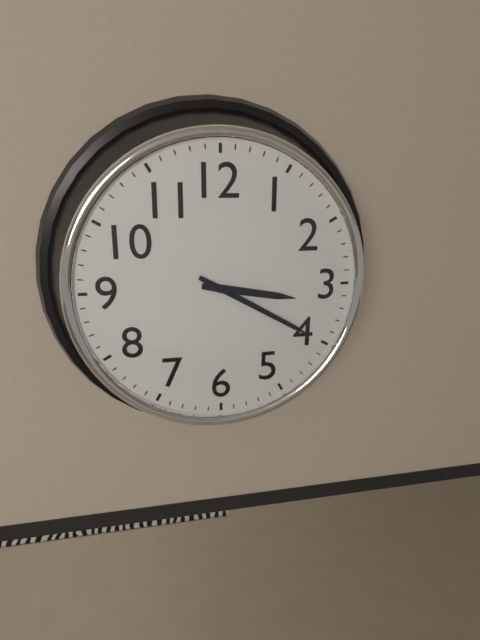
h=3 m=20
